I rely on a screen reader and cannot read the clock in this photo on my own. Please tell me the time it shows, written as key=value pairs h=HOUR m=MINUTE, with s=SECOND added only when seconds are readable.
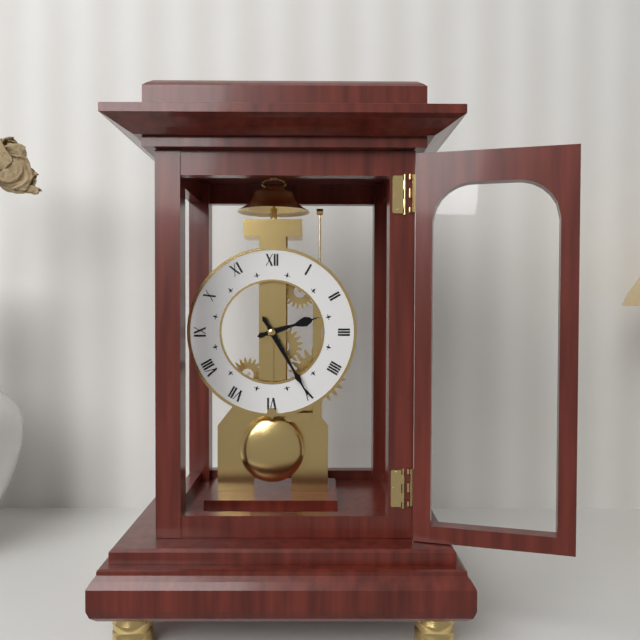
h=2 m=25
